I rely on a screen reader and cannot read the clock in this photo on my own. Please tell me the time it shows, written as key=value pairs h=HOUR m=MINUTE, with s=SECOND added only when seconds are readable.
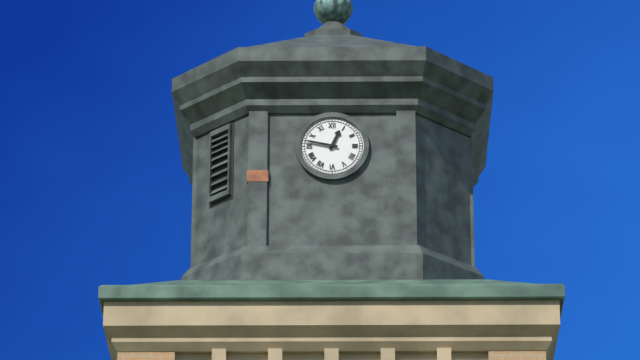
h=12 m=47
